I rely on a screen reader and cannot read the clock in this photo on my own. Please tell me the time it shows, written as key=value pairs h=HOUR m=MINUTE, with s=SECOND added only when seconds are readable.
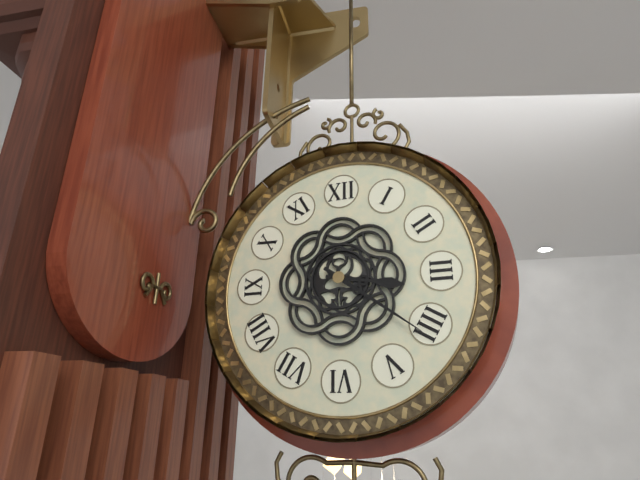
h=3 m=21
